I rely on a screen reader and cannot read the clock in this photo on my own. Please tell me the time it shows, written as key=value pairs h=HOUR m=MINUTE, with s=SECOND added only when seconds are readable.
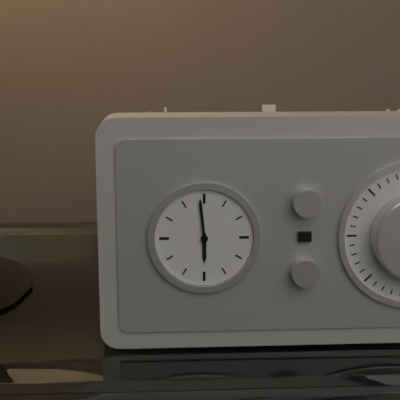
h=5 m=59
